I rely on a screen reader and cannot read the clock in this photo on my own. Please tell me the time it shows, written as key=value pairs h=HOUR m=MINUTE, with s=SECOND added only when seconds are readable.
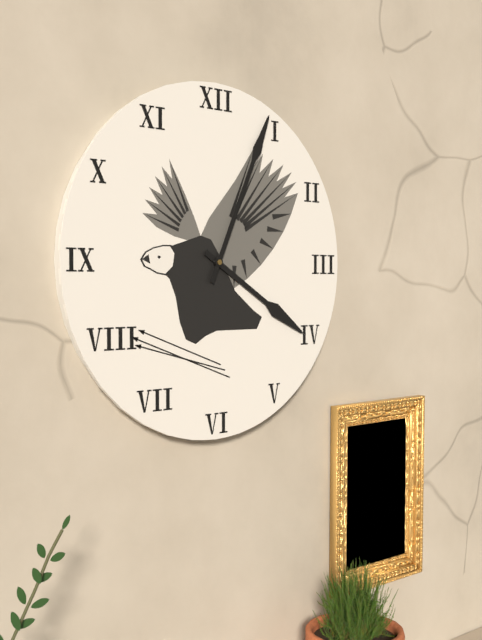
h=4 m=4
